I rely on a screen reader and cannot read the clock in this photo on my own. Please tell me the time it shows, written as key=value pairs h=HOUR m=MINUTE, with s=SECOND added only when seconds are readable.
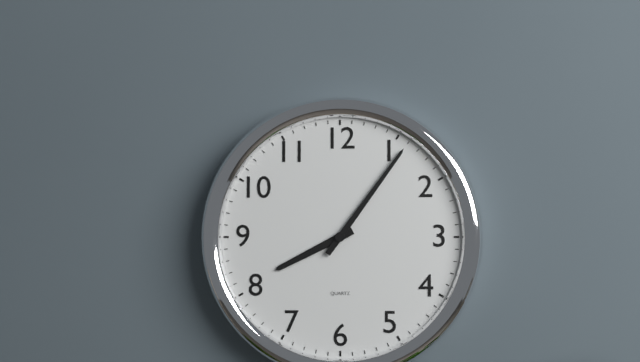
h=8 m=6
